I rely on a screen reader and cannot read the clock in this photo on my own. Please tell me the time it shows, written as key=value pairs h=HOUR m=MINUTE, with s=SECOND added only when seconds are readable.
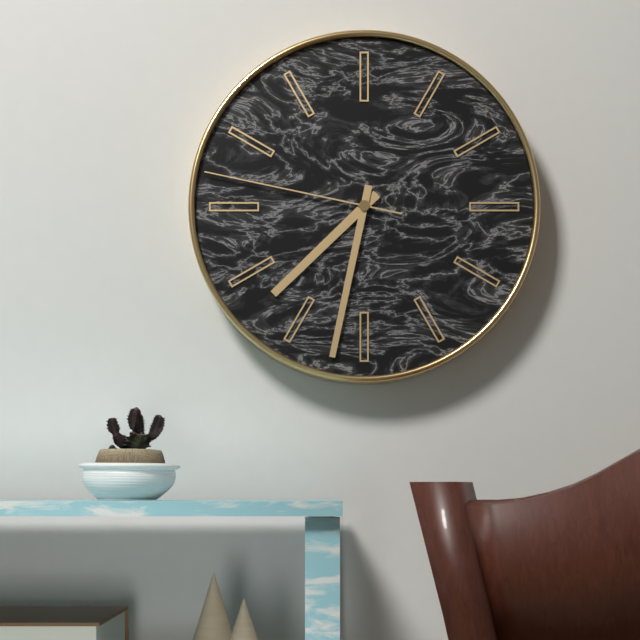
h=7 m=32 s=47
